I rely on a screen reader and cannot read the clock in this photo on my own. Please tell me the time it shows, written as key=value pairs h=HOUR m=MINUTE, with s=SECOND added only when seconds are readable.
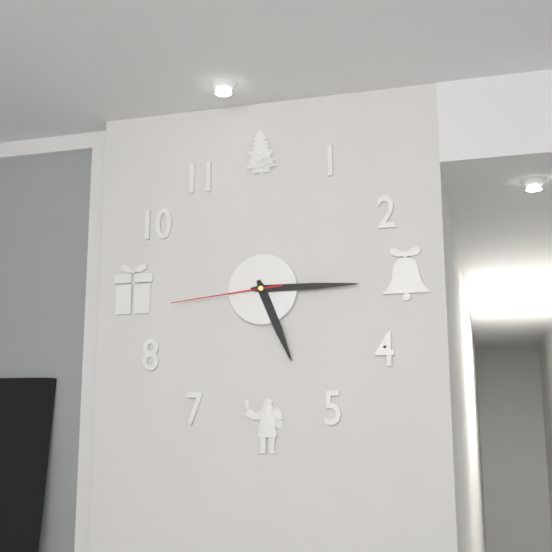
h=5 m=15 s=44
